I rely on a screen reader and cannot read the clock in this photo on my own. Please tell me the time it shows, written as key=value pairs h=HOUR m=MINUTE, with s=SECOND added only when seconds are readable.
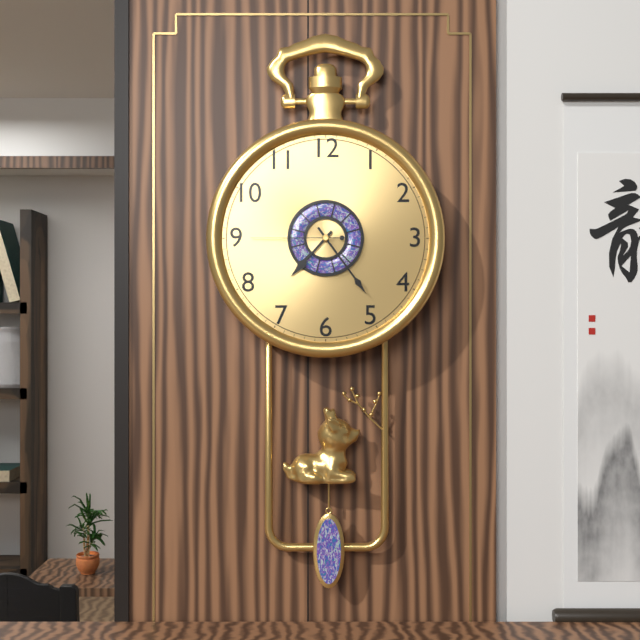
h=7 m=24 s=45
